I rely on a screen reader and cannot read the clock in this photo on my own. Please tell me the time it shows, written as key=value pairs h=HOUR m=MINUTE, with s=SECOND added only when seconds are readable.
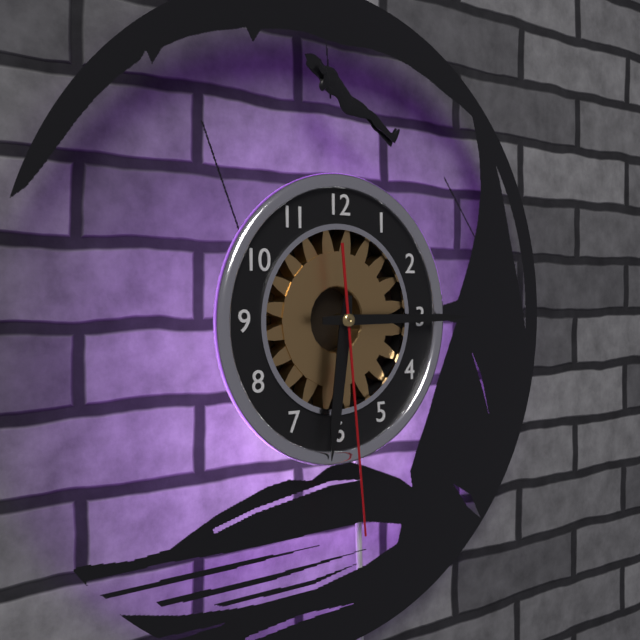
h=6 m=15 s=29
